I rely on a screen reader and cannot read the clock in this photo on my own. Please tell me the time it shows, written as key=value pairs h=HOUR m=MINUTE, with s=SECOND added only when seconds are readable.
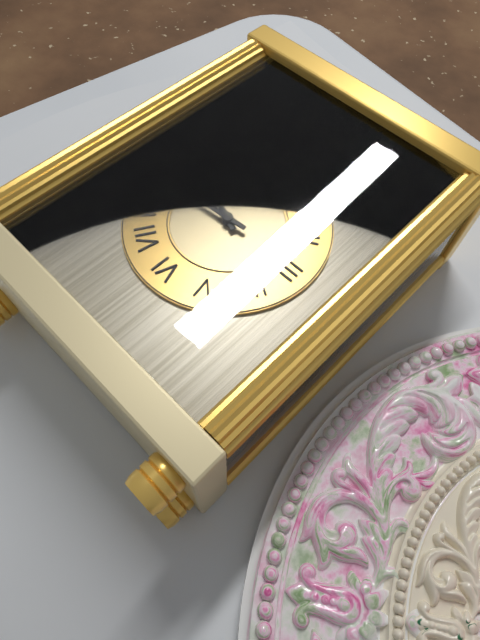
h=9 m=44
